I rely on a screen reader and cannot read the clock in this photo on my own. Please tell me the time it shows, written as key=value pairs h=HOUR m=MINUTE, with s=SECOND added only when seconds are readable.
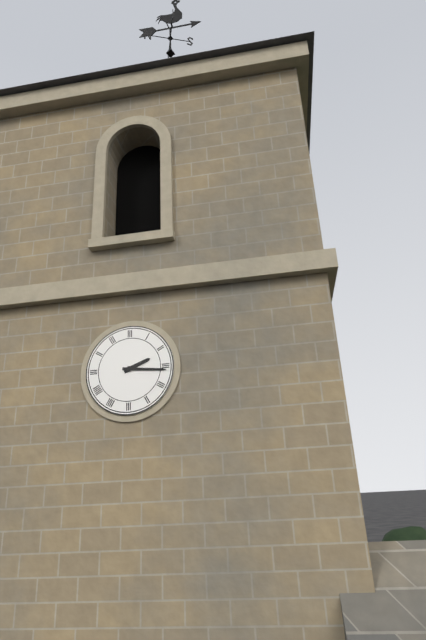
h=2 m=16
